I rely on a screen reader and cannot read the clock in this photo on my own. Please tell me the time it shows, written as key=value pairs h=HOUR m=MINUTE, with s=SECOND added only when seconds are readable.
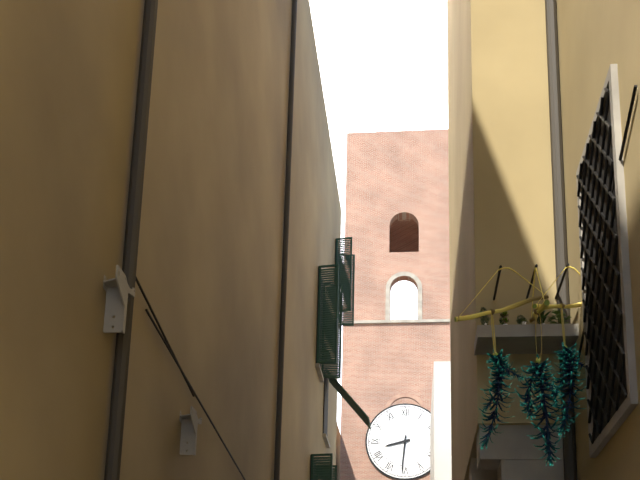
h=8 m=31
